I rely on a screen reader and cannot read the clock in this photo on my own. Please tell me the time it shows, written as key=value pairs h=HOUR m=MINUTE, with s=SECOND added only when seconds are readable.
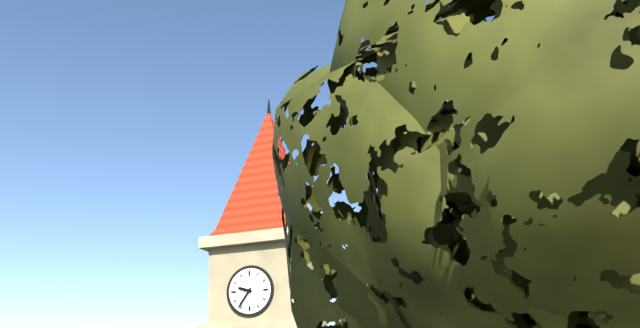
h=9 m=36
